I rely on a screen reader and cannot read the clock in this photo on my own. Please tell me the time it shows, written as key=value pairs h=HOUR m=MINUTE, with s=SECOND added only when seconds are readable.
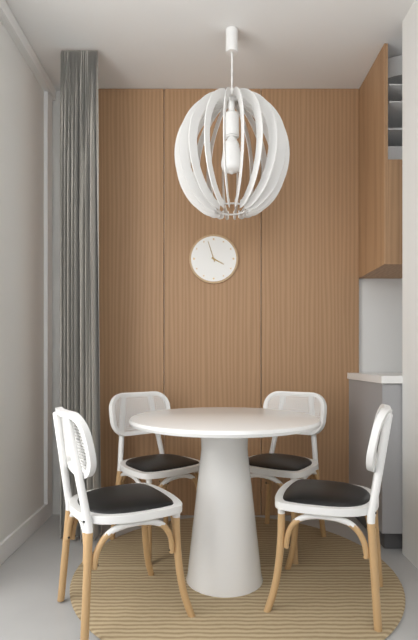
h=3 m=57
